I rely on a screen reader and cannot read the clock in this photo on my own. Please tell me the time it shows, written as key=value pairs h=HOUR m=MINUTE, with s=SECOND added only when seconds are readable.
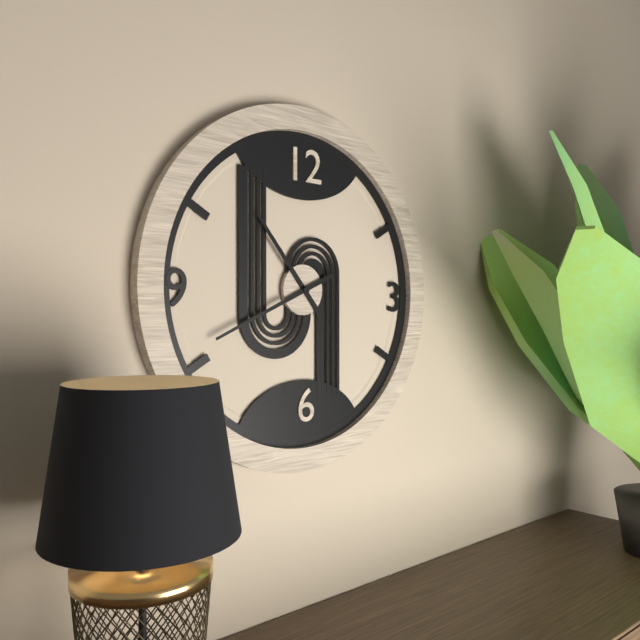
h=10 m=41
